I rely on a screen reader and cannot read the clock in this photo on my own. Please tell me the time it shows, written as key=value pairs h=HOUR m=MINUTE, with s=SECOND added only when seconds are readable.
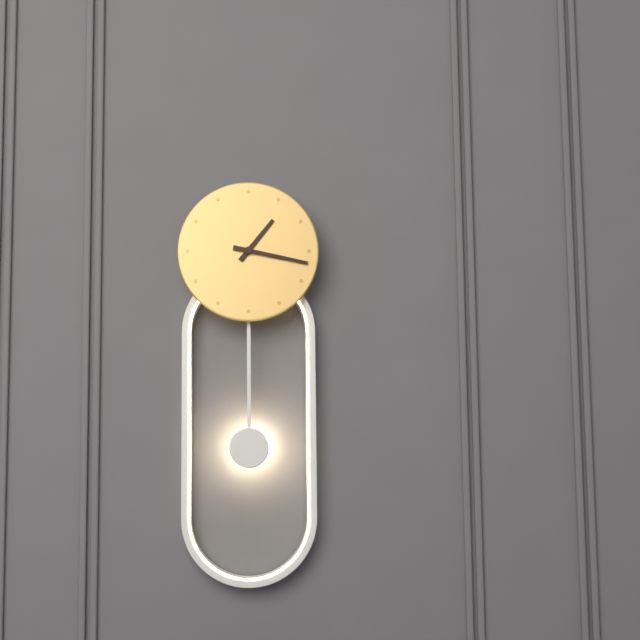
h=1 m=17
